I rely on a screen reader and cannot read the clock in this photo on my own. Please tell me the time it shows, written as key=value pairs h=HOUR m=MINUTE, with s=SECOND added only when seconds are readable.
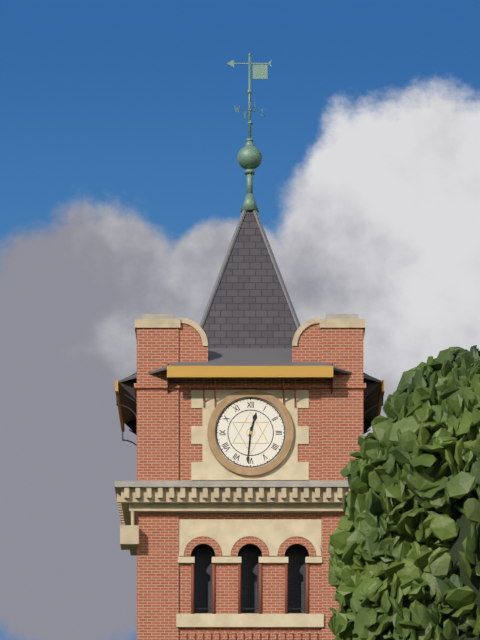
h=12 m=31
